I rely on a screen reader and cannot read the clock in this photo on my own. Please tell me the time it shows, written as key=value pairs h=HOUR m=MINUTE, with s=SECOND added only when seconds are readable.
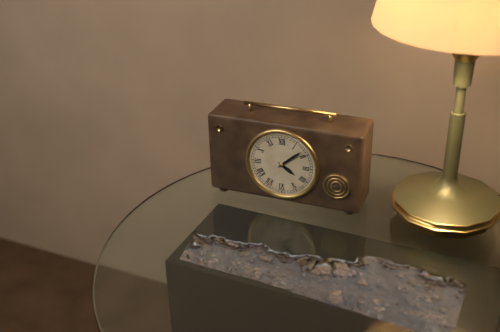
h=4 m=8
